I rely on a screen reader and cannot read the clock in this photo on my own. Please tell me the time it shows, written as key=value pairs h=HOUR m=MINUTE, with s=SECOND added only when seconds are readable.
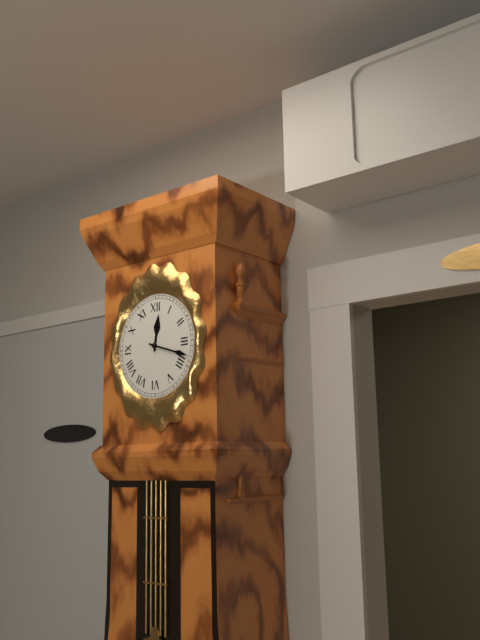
h=12 m=18
